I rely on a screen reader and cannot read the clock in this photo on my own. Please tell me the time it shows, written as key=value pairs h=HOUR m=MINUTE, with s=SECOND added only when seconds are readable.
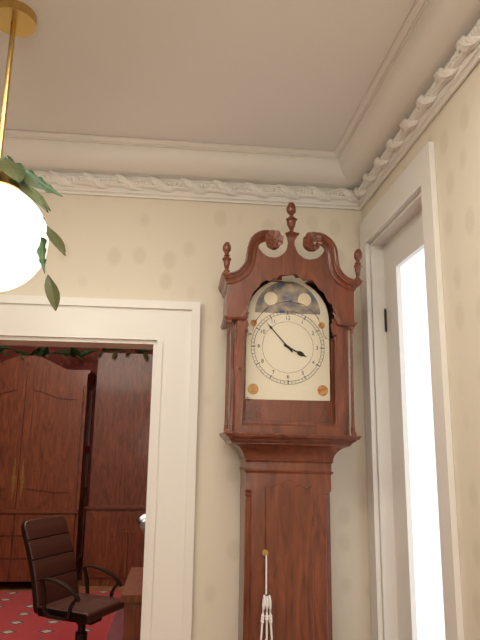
h=3 m=53
